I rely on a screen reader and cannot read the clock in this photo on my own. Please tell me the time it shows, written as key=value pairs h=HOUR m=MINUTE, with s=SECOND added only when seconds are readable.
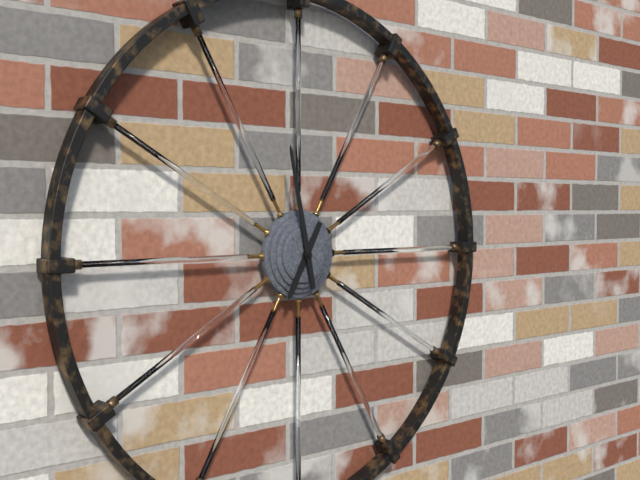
h=6 m=58
